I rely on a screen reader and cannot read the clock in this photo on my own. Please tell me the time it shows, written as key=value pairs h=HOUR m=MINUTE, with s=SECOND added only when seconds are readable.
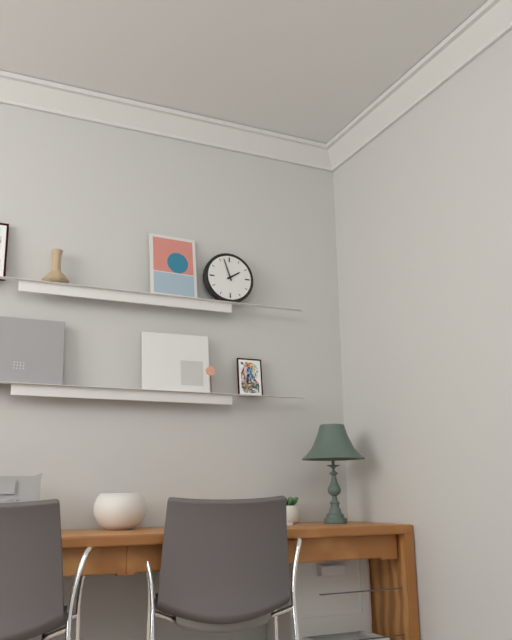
h=1 m=57
